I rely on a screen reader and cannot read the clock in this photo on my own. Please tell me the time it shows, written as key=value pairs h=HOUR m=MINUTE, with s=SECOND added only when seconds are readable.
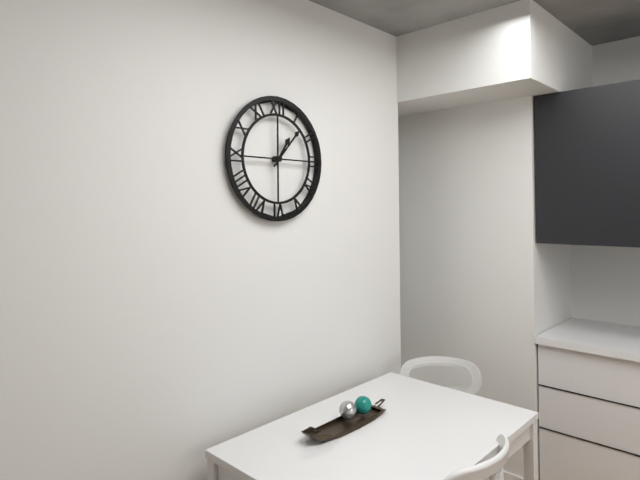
h=1 m=7
